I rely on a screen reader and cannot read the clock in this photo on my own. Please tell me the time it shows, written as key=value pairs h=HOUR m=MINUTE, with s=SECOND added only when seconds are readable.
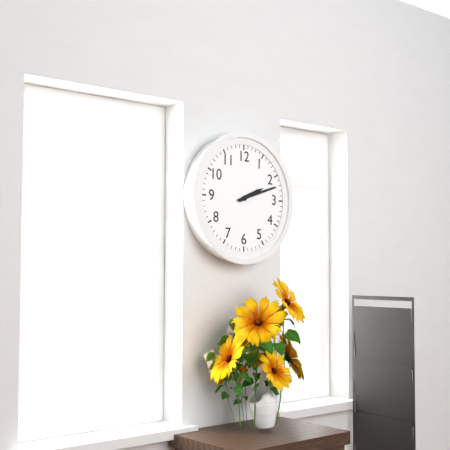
h=2 m=12
